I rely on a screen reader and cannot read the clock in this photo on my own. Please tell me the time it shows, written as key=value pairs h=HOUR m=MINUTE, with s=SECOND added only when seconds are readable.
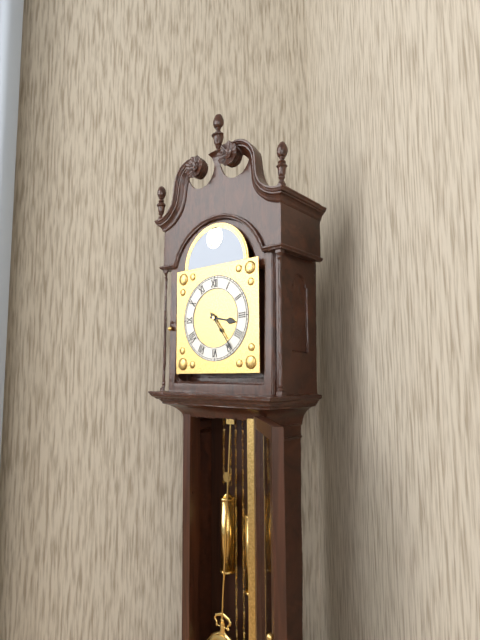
h=3 m=24
